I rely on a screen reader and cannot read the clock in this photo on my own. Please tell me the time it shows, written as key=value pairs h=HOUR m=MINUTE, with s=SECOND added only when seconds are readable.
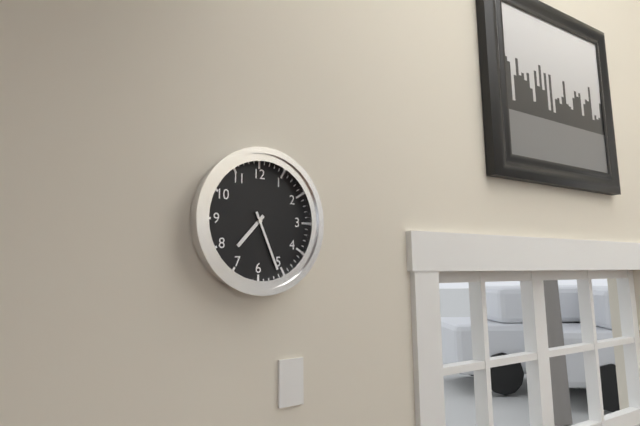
h=7 m=26
